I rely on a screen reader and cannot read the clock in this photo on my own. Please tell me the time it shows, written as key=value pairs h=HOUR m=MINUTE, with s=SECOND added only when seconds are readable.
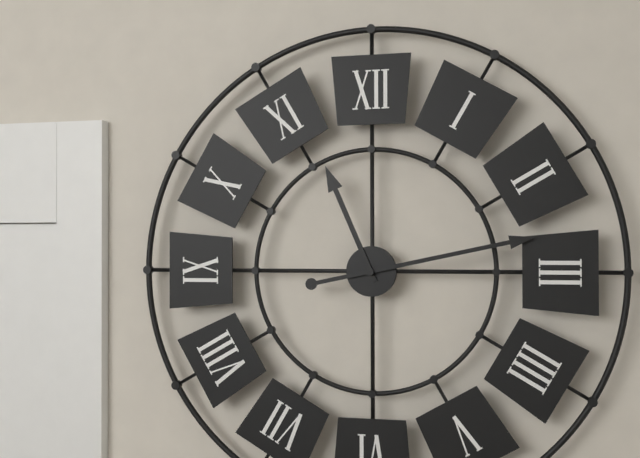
h=11 m=13
